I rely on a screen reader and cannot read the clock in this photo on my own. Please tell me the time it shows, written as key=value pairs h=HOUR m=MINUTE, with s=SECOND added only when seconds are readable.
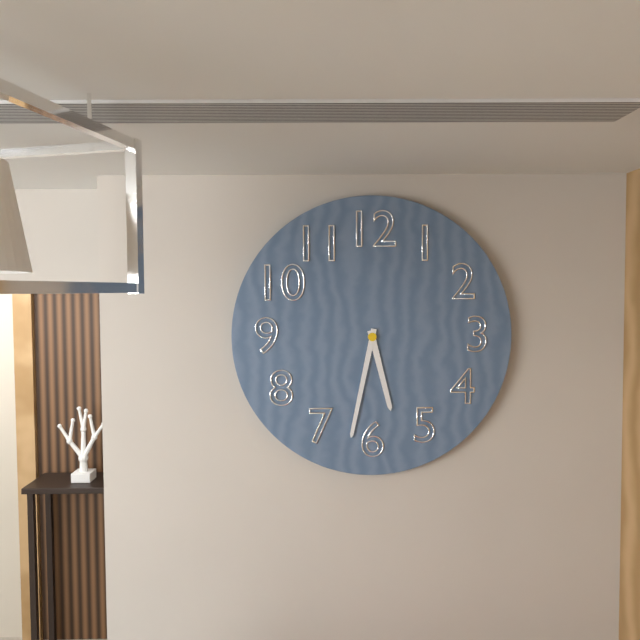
h=5 m=32
